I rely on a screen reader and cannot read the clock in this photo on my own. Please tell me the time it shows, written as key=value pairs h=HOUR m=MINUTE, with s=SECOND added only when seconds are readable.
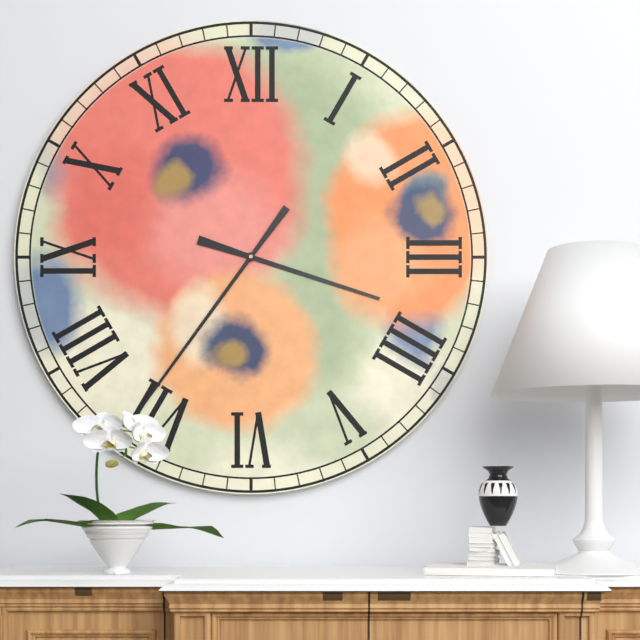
h=3 m=36
